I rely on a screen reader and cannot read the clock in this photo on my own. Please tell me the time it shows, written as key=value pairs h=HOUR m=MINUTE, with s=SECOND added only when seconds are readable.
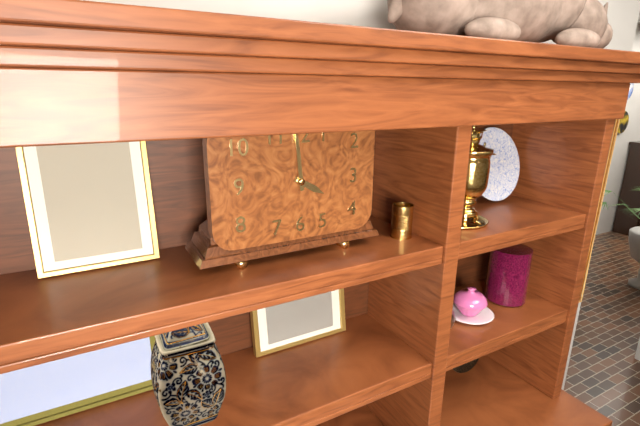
h=3 m=59
